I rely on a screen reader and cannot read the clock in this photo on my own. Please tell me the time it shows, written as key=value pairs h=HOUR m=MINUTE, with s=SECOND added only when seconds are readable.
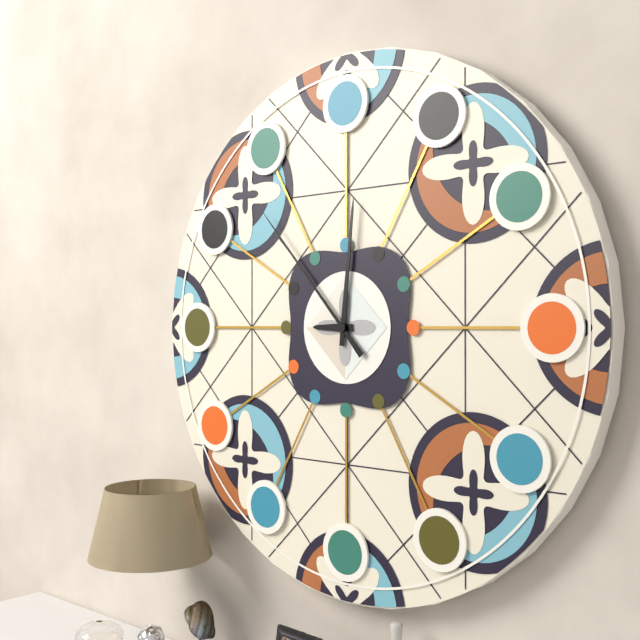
h=9 m=1 s=53
